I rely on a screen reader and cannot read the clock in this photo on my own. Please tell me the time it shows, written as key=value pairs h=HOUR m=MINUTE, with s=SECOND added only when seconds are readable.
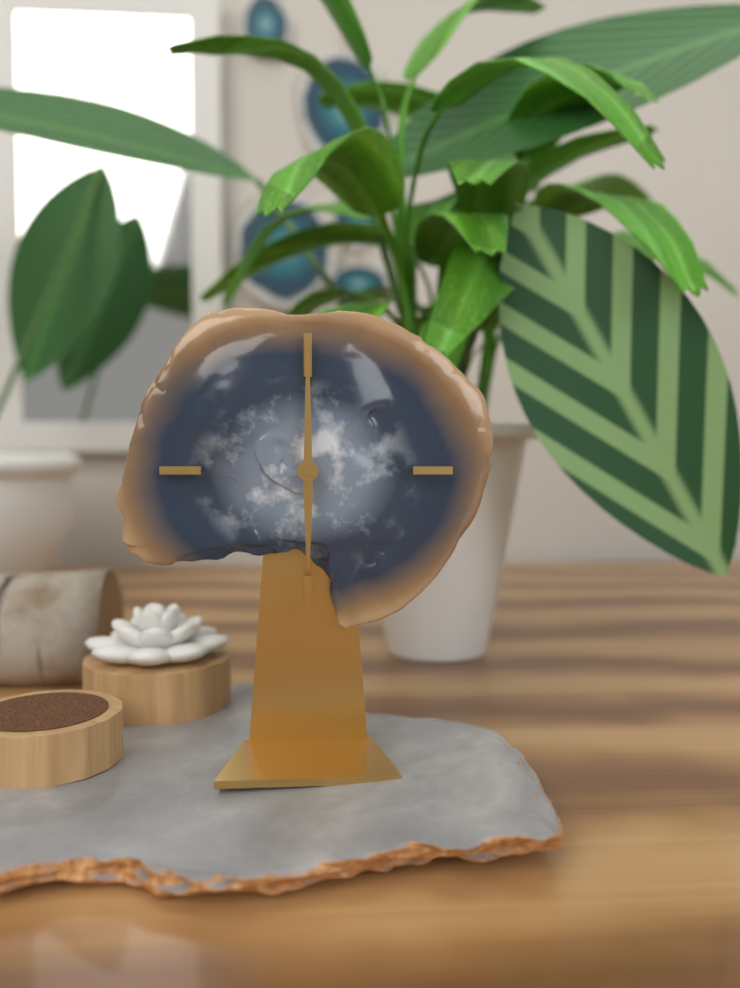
h=6 m=0
